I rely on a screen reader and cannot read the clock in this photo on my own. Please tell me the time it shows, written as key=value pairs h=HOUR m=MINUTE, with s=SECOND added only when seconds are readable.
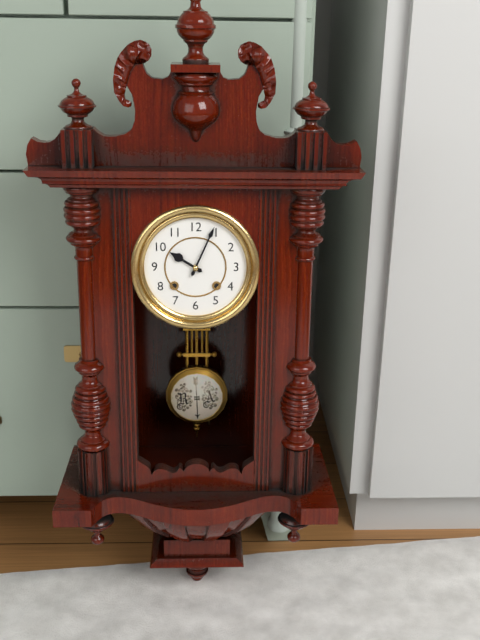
h=10 m=4
